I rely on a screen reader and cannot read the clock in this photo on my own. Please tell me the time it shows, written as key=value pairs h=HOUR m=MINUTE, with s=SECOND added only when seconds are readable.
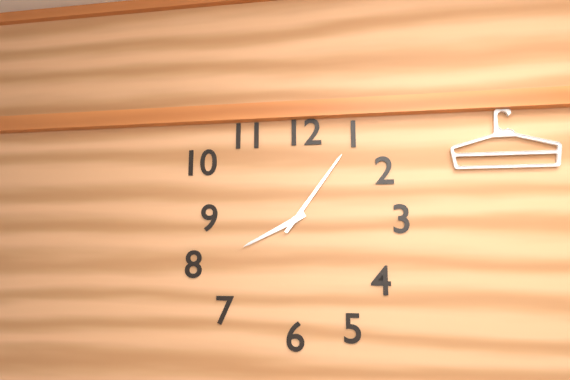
h=8 m=6
